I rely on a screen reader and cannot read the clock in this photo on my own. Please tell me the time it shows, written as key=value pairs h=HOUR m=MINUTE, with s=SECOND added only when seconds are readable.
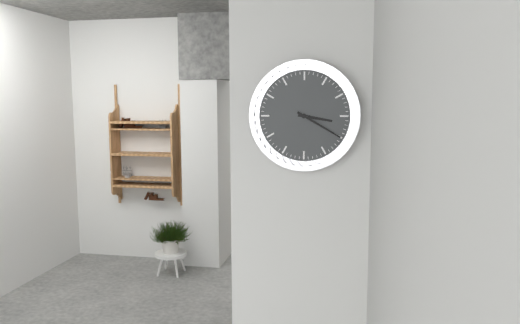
h=3 m=20
